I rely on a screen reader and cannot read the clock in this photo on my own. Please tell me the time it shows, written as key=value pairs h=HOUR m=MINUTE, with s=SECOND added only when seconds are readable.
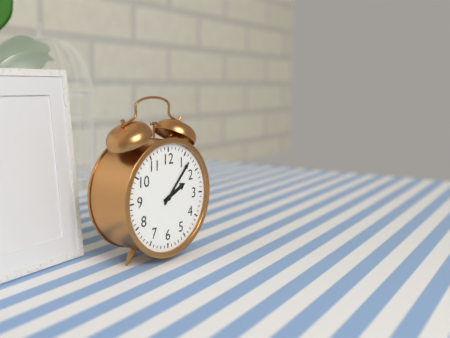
h=2 m=7
